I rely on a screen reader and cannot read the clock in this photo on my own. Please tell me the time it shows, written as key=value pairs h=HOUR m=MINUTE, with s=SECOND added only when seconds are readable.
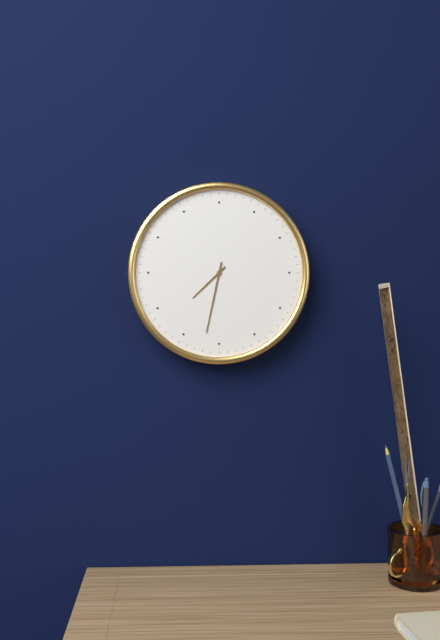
h=7 m=32
